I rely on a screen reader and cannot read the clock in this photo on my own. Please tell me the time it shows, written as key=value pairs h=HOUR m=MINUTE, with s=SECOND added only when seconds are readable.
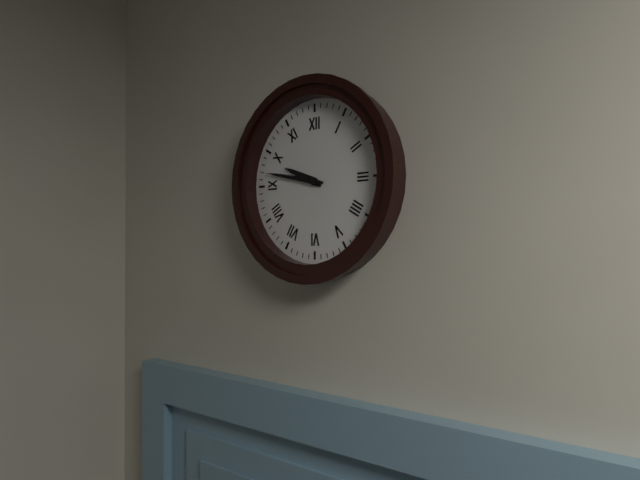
h=9 m=47
